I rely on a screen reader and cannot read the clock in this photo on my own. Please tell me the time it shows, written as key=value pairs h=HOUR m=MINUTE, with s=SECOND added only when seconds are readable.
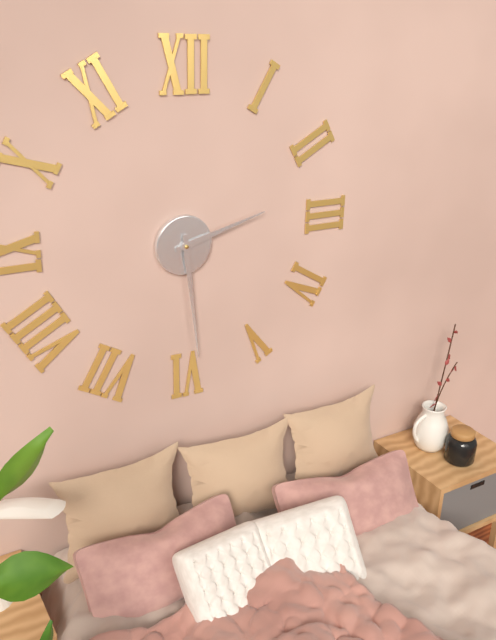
h=2 m=29
